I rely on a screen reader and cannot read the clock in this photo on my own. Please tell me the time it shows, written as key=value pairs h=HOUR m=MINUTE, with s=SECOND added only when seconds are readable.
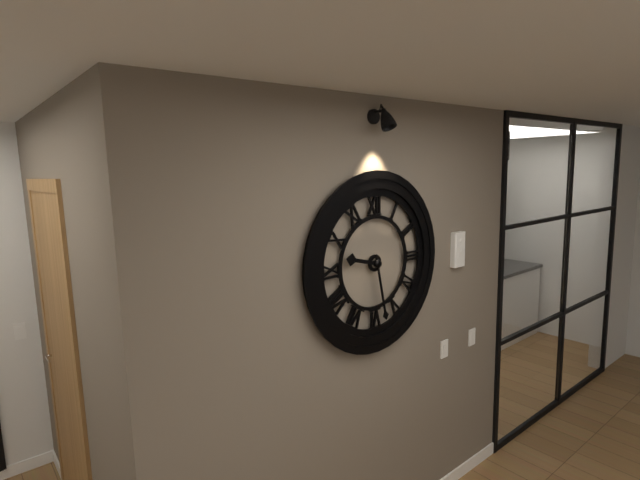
h=9 m=28
